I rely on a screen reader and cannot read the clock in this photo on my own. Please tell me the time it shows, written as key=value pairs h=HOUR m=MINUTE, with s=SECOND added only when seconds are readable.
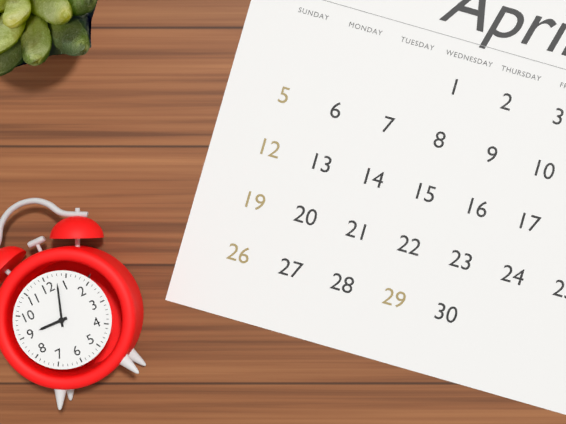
h=9 m=3
